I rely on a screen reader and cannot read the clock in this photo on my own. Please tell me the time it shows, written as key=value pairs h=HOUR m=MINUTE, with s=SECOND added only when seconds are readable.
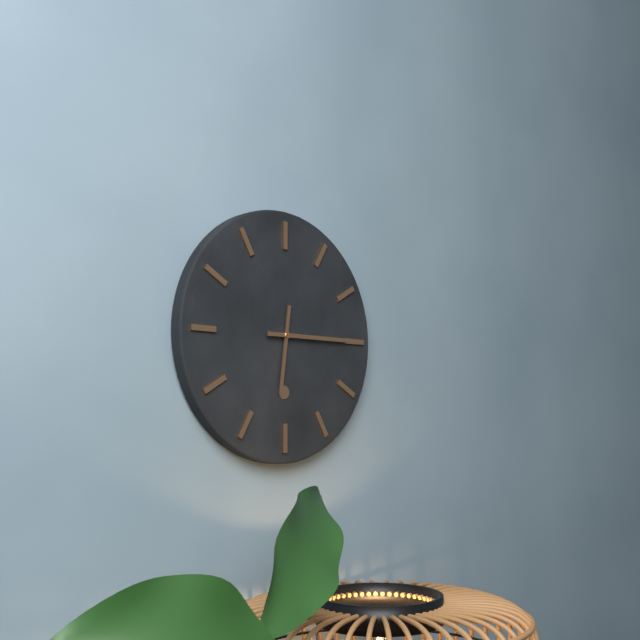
h=6 m=15
